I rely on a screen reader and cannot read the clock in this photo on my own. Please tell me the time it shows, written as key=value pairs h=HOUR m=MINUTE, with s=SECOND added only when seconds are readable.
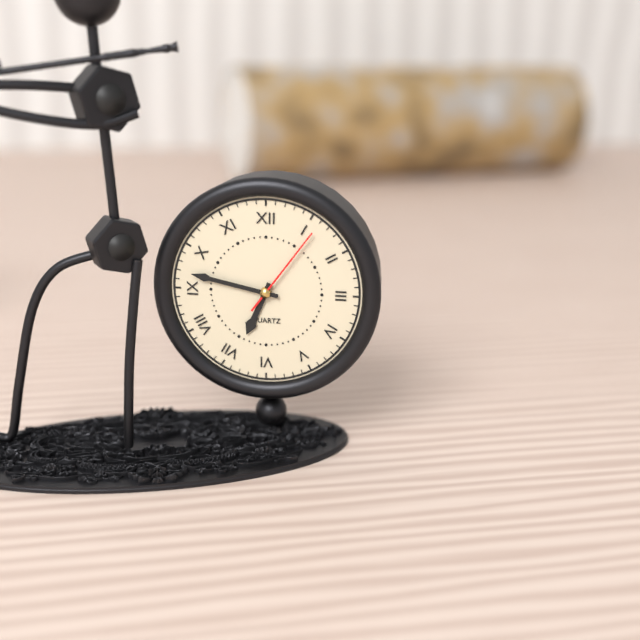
h=6 m=47 s=6
